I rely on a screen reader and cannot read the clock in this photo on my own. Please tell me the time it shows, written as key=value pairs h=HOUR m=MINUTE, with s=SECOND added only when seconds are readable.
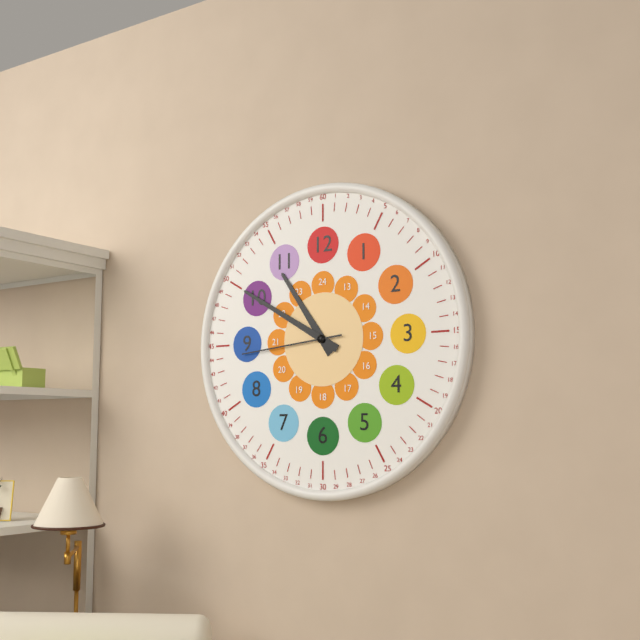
h=10 m=50 s=44
